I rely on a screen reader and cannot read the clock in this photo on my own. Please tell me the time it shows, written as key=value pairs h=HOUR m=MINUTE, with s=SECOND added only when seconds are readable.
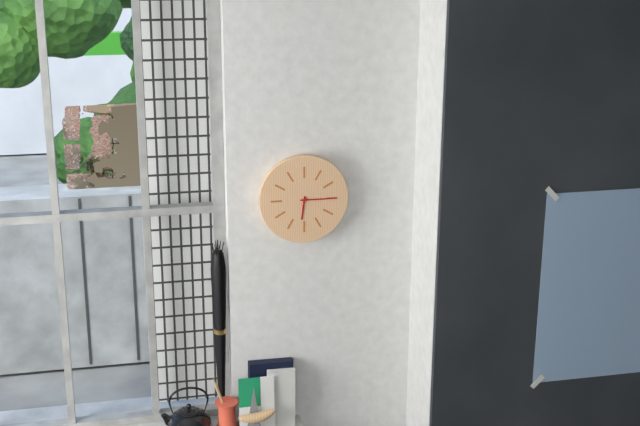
h=6 m=15
